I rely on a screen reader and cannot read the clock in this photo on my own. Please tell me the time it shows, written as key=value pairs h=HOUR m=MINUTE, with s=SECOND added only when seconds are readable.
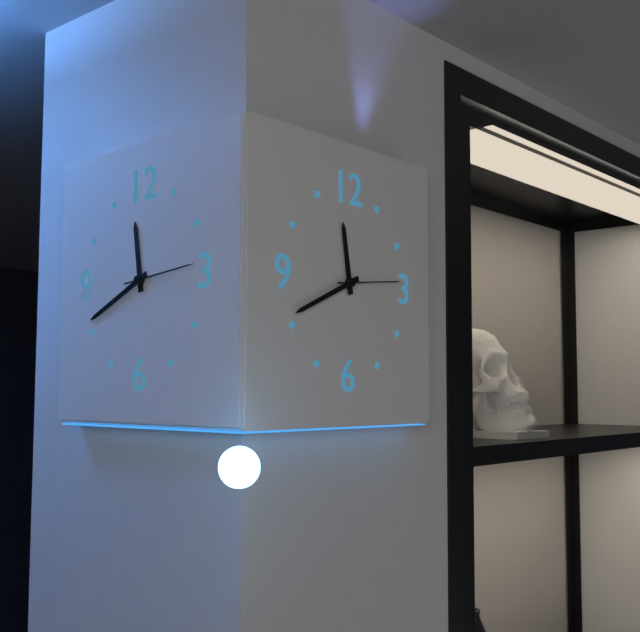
h=11 m=41 s=14
